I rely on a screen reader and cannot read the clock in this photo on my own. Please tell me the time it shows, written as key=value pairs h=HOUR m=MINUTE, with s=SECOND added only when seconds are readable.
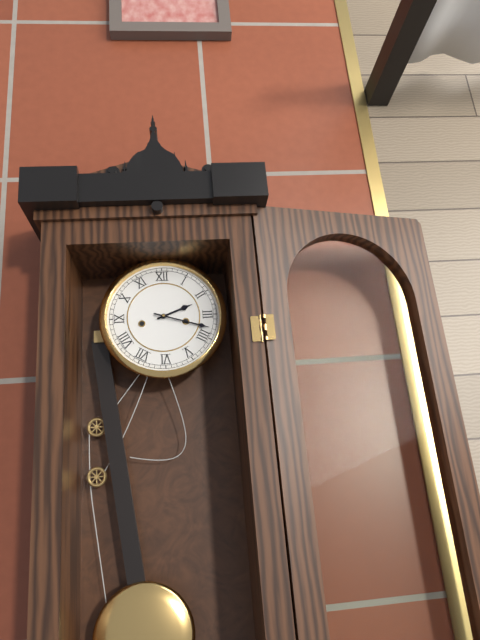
h=2 m=18
